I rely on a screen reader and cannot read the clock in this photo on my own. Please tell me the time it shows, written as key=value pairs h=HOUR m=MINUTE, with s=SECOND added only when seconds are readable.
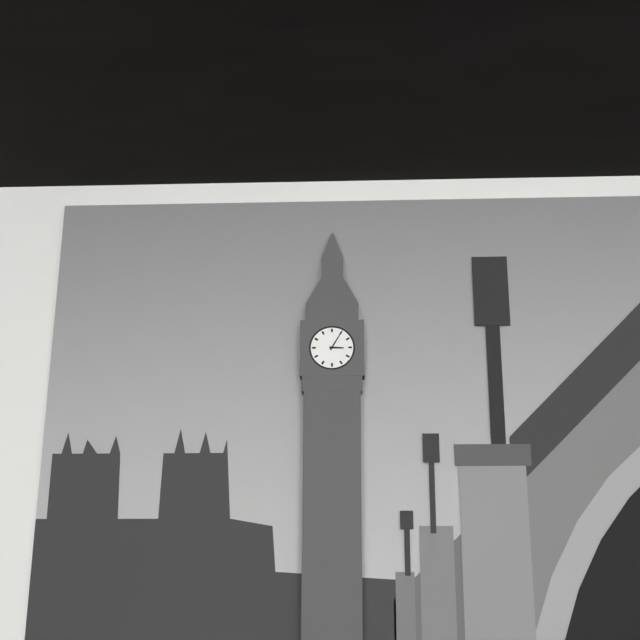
h=3 m=5
